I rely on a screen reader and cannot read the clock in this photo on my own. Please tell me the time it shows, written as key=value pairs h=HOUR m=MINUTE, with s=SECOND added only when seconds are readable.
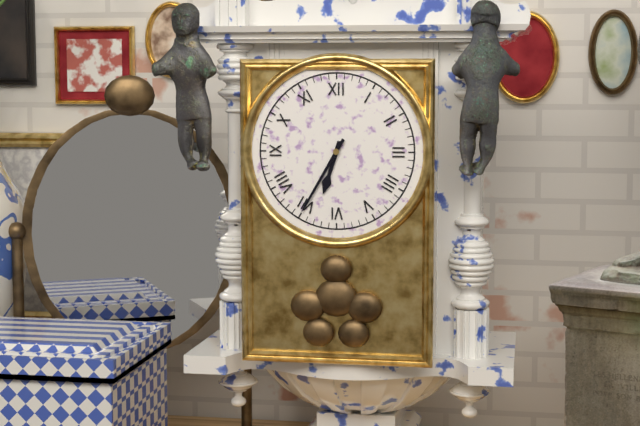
h=6 m=35
